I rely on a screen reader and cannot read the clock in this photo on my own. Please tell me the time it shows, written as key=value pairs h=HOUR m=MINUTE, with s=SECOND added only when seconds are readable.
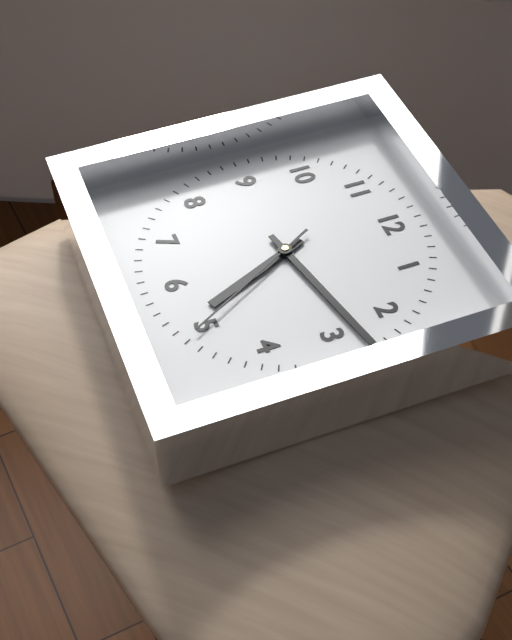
h=5 m=13 s=25
